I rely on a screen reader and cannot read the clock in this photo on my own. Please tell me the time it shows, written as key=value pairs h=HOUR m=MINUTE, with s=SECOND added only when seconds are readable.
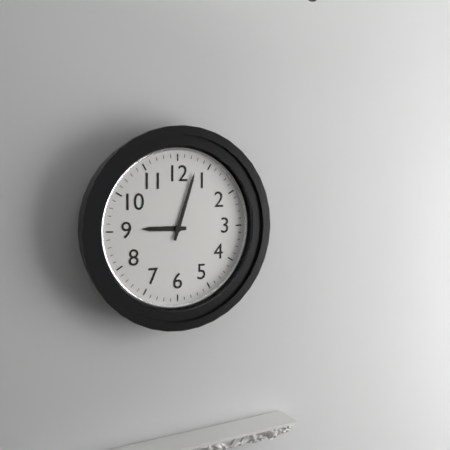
h=9 m=3
